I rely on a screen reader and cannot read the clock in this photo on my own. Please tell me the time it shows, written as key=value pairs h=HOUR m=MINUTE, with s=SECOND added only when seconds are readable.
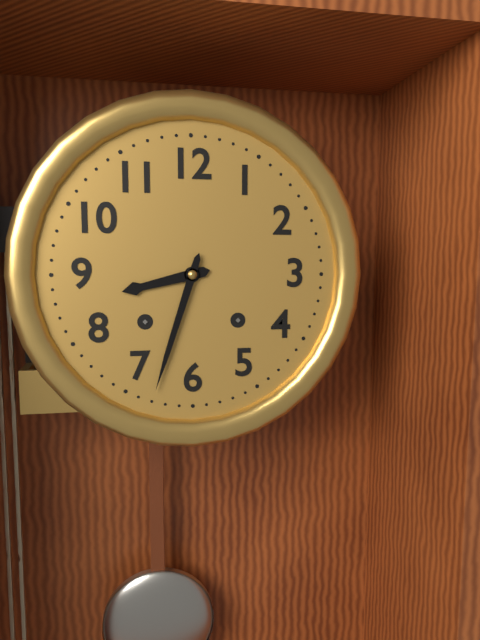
h=8 m=33
